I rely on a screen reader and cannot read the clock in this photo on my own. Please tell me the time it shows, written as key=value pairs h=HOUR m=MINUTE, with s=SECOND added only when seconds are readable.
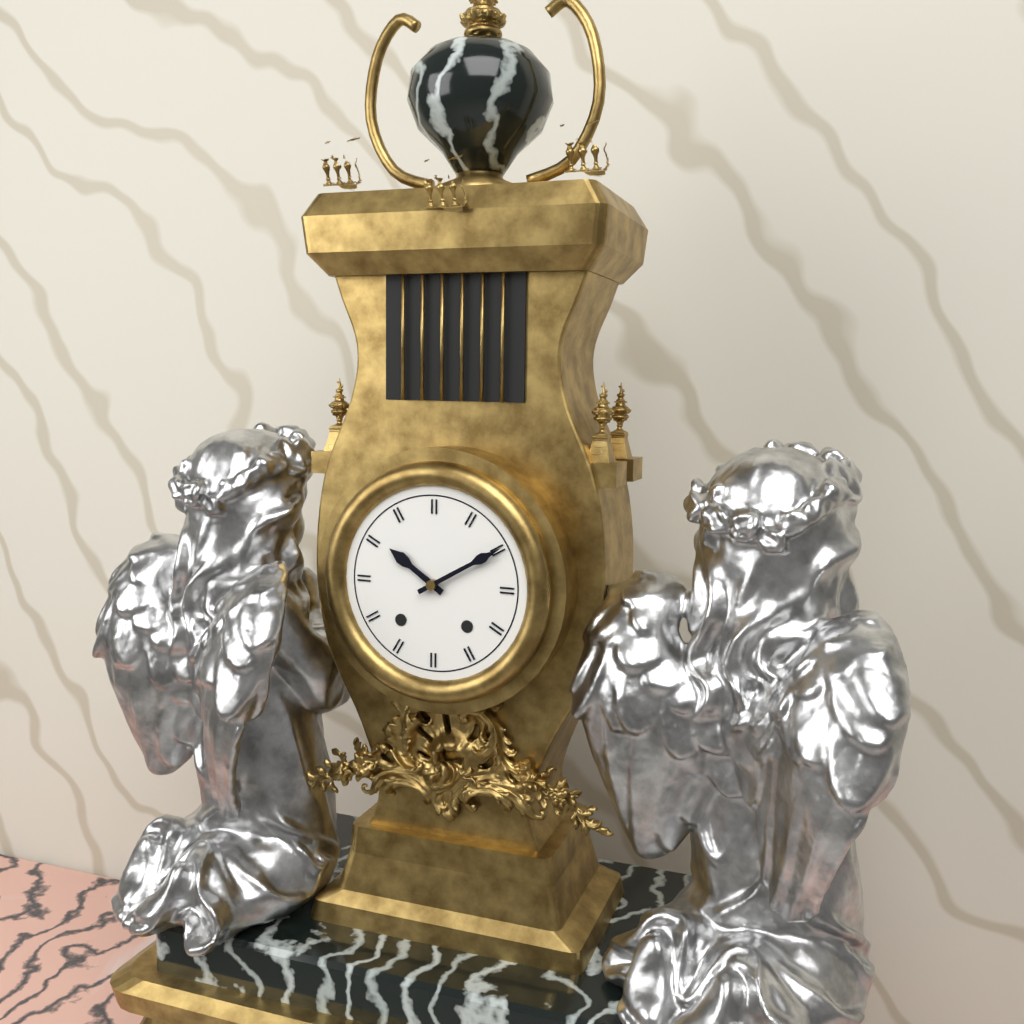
h=10 m=10
